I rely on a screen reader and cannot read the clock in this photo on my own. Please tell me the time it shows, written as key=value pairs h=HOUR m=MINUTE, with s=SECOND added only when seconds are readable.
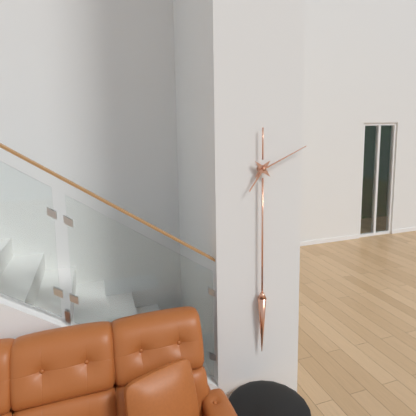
h=7 m=11
